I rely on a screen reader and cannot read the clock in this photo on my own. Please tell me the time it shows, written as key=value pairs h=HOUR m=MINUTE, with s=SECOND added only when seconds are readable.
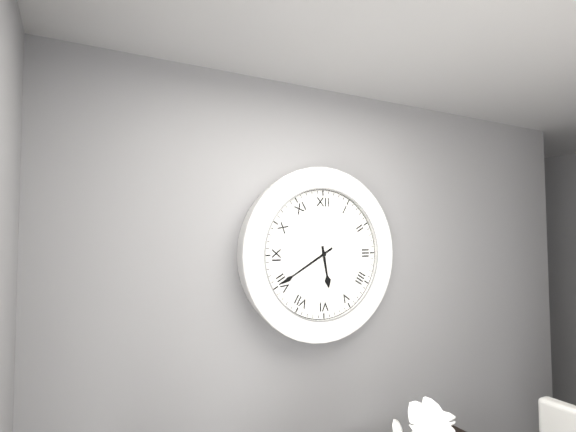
h=5 m=40
